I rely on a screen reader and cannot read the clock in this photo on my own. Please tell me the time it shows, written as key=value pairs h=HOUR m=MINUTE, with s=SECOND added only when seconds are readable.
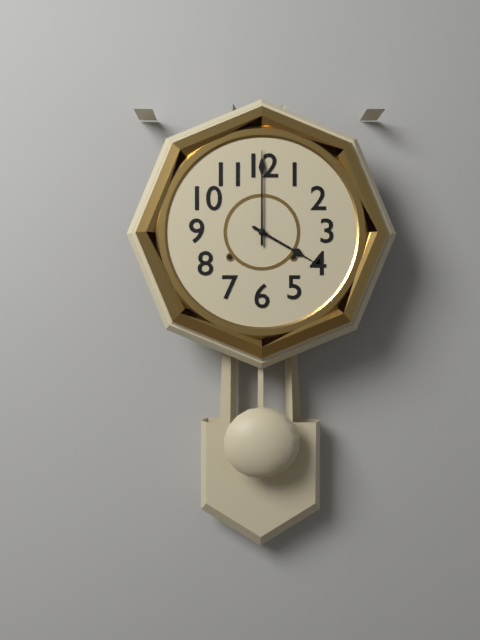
h=4 m=0
